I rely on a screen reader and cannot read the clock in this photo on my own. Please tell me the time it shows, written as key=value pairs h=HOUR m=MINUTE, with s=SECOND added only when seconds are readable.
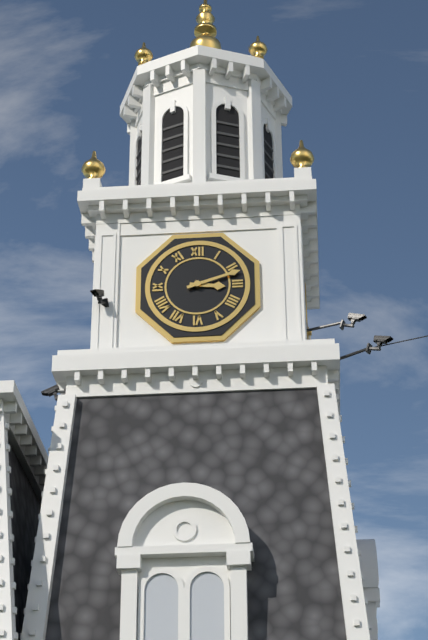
h=3 m=12
